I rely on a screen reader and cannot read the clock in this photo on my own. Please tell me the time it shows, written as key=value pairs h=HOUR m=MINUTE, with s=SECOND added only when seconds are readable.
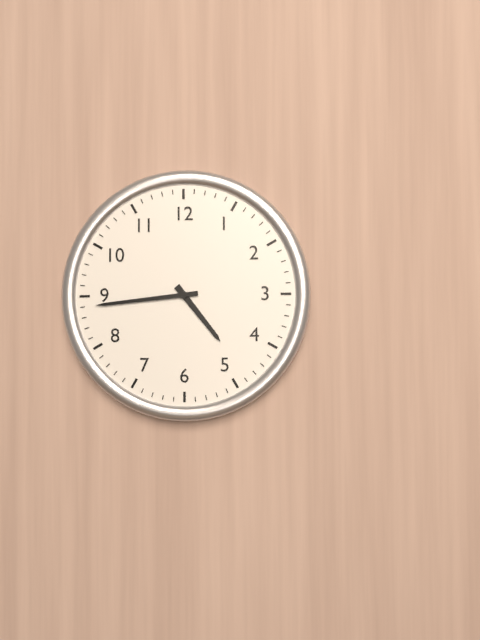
h=4 m=44
